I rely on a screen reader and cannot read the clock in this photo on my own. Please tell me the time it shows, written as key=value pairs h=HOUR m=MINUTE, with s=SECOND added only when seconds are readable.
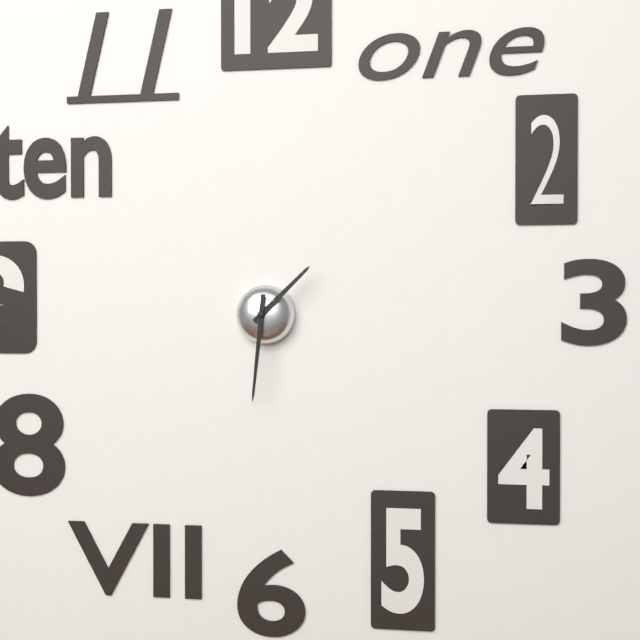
h=1 m=31
